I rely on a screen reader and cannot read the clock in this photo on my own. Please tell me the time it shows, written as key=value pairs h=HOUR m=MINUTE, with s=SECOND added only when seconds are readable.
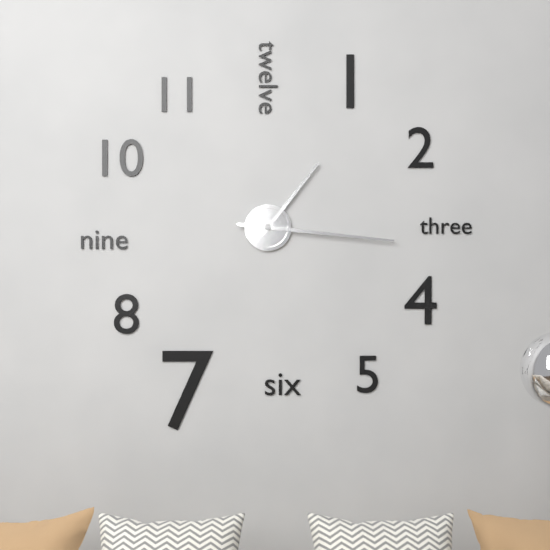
h=1 m=16
